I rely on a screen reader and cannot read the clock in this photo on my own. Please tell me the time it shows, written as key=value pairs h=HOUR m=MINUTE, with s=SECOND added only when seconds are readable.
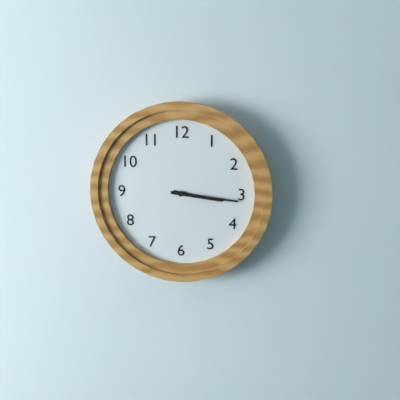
h=3 m=16
